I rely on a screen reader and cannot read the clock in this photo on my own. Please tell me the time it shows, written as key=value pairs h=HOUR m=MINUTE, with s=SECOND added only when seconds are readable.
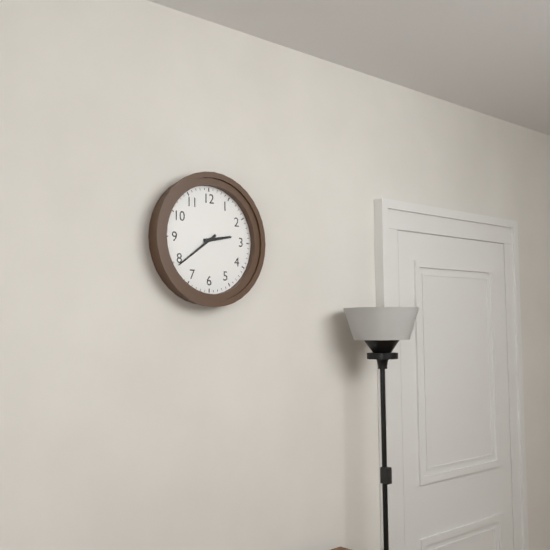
h=2 m=39
